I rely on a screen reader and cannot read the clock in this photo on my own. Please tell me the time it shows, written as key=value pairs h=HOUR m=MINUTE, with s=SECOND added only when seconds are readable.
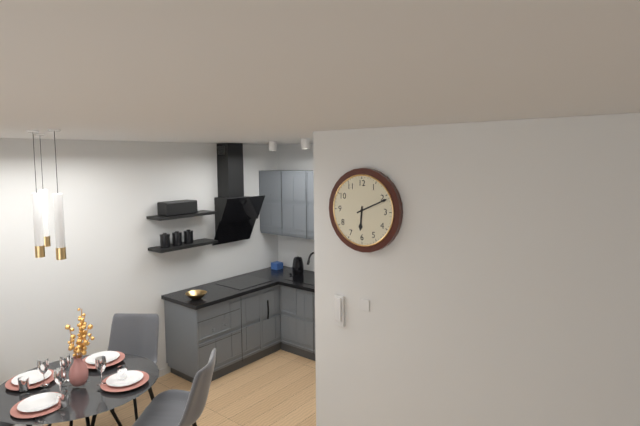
h=6 m=11
